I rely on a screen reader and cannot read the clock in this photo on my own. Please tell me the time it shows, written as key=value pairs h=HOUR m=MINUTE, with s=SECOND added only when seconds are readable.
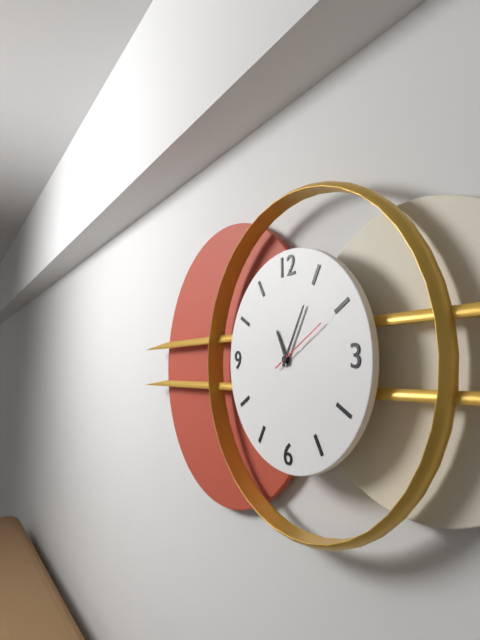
h=11 m=5 s=10
